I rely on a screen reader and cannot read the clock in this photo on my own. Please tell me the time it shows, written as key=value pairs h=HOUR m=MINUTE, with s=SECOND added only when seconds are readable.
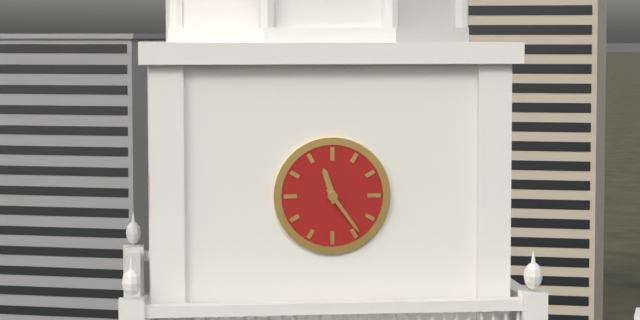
h=11 m=24
